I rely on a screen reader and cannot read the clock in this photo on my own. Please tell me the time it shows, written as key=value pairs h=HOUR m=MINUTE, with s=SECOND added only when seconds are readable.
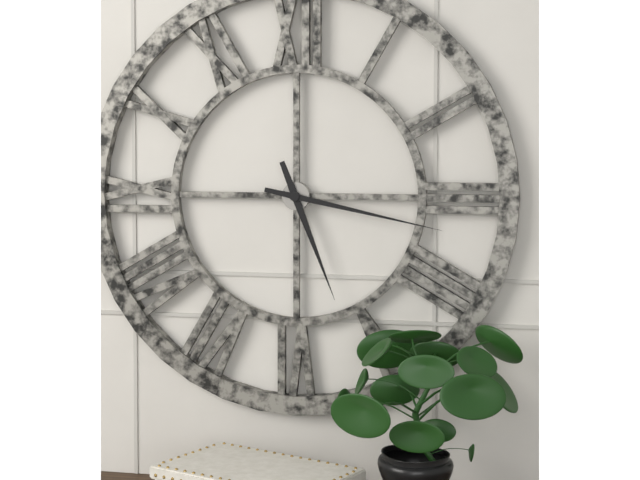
h=5 m=17
